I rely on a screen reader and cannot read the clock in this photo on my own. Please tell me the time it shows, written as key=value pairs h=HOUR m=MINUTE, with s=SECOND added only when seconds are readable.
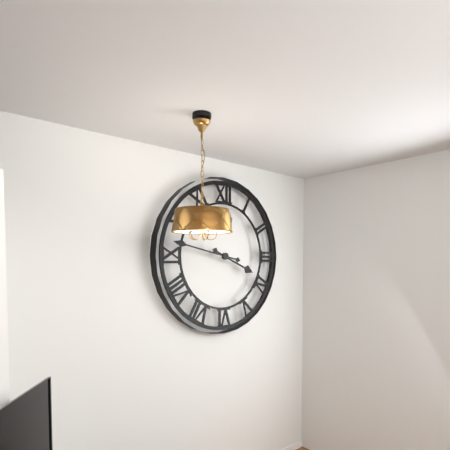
h=3 m=47
